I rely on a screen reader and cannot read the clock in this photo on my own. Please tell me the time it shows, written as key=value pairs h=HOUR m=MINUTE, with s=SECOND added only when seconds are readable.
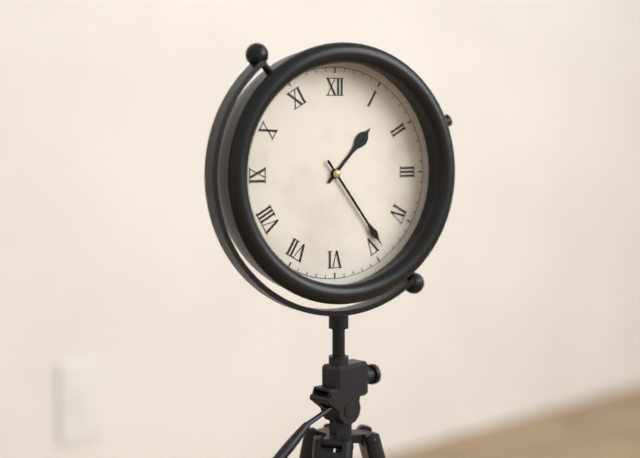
h=1 m=24
